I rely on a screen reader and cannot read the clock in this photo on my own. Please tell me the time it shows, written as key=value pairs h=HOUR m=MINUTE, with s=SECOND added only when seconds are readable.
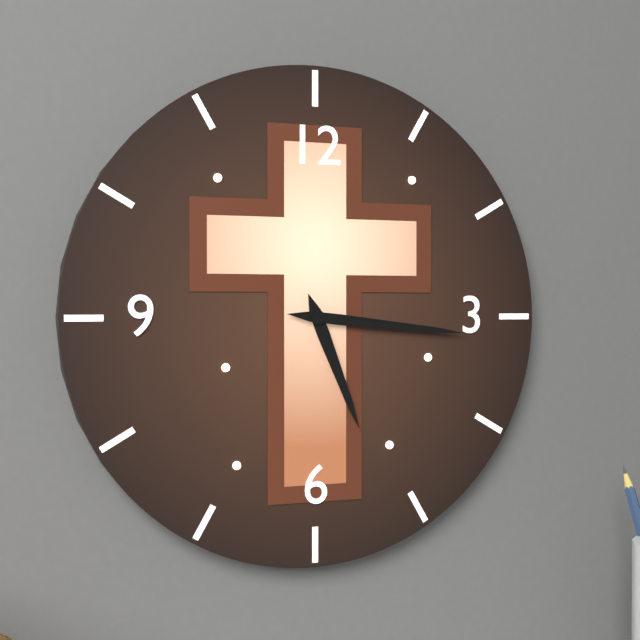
h=5 m=16
